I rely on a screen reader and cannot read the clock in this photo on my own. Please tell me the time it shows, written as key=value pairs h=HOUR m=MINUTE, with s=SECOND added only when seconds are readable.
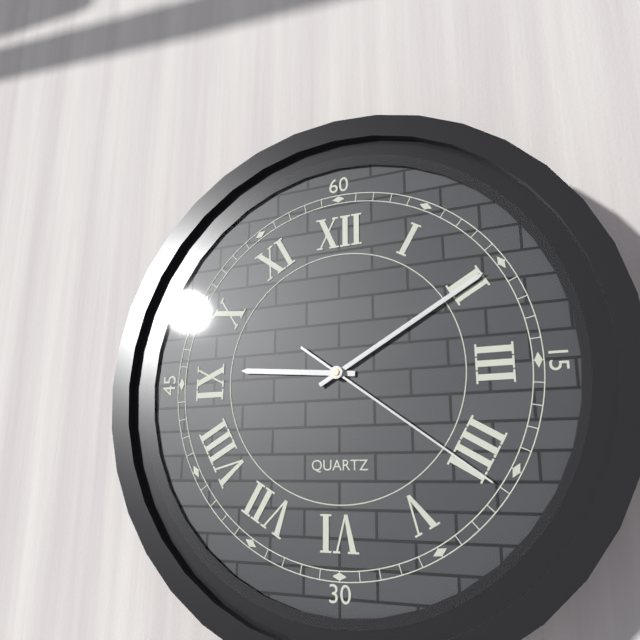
h=9 m=10 s=21
